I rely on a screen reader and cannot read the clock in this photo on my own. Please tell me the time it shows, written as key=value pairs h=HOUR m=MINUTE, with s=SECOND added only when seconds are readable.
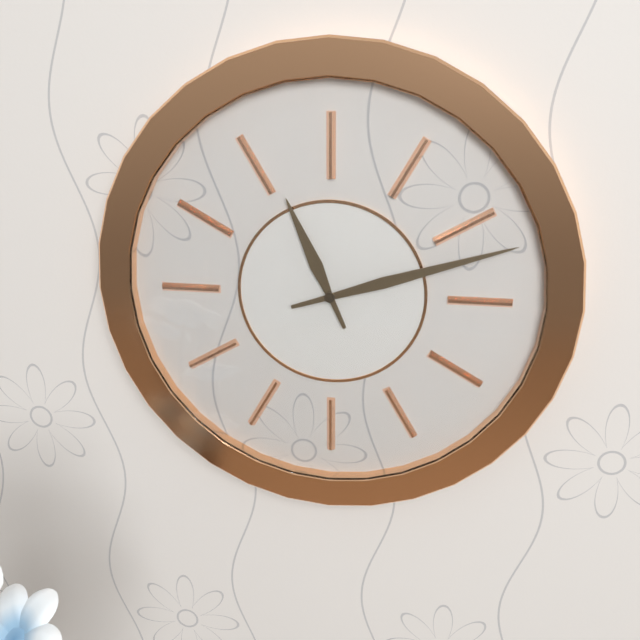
h=11 m=12
